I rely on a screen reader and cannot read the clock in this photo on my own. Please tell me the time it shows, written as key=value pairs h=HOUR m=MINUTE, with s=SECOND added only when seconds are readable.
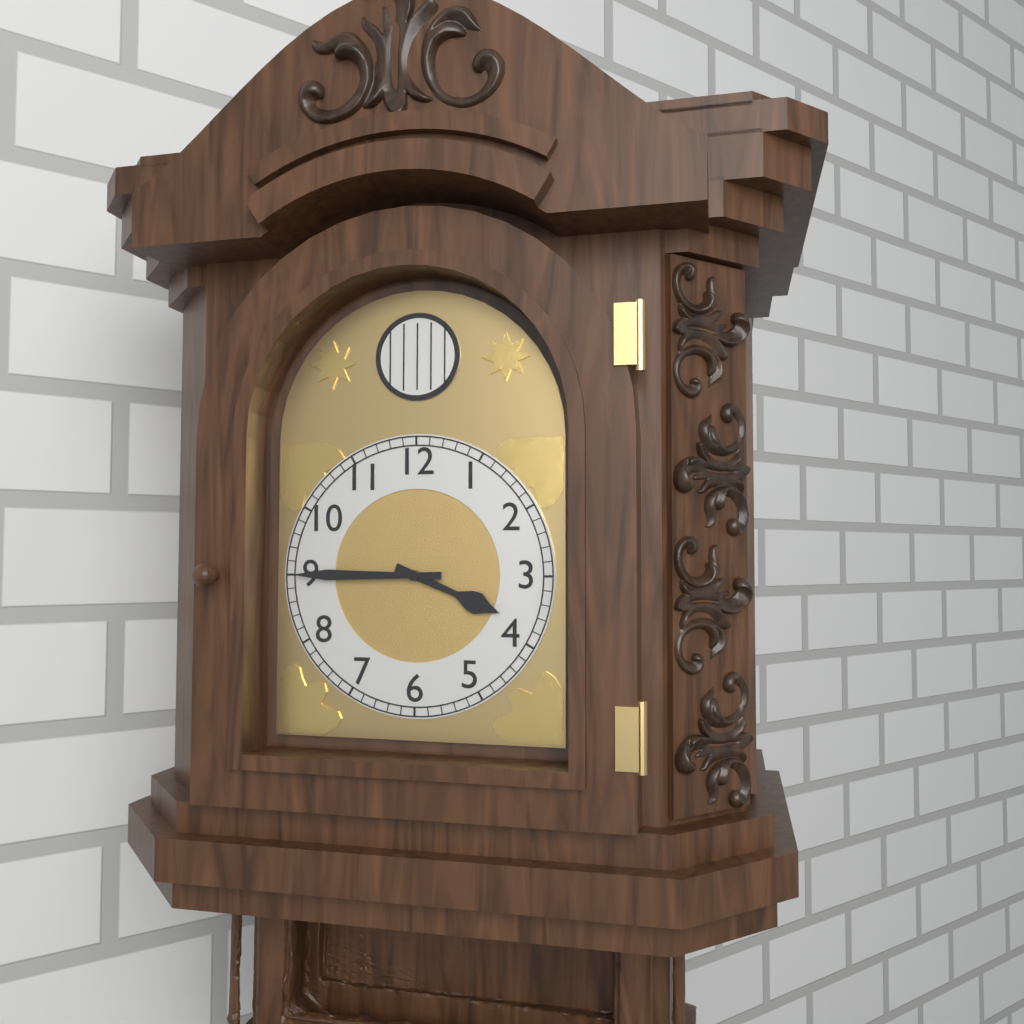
h=3 m=45
